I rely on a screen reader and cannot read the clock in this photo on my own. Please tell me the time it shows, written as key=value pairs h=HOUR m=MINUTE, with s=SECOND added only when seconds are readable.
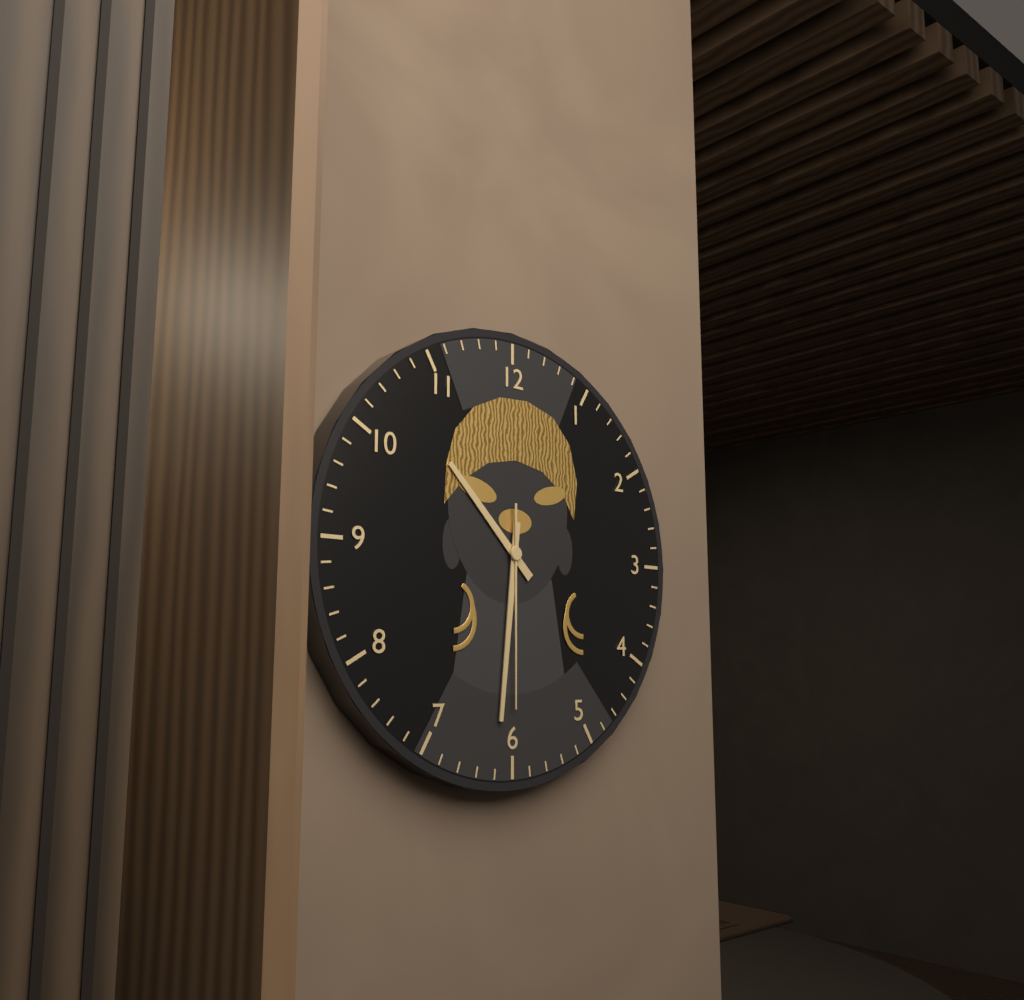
h=10 m=31 s=30
